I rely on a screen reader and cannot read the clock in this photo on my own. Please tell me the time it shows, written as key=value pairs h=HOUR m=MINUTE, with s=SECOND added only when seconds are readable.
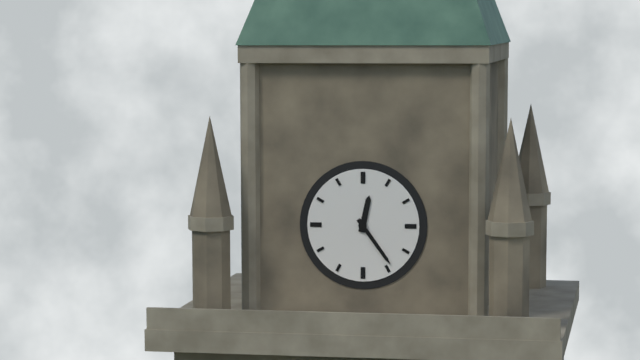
h=12 m=24
